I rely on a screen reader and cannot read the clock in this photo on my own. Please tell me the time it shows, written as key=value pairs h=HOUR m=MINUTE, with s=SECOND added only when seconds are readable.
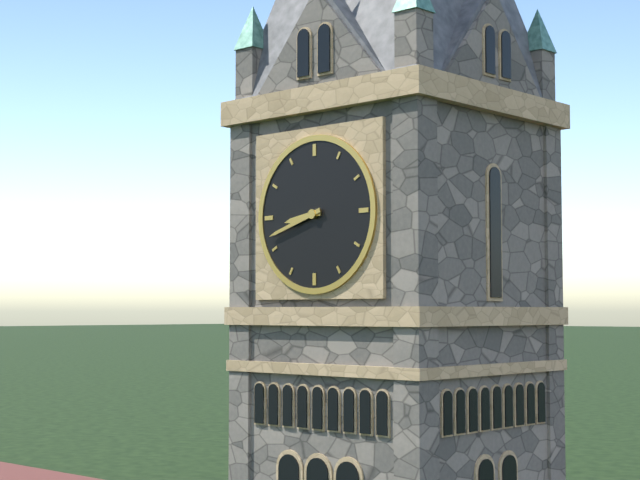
h=8 m=42
